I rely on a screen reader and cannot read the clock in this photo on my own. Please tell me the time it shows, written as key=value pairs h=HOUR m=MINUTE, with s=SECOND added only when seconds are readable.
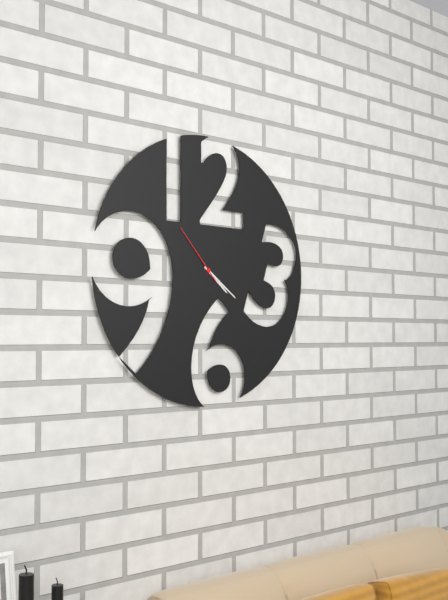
h=4 m=21 s=53
